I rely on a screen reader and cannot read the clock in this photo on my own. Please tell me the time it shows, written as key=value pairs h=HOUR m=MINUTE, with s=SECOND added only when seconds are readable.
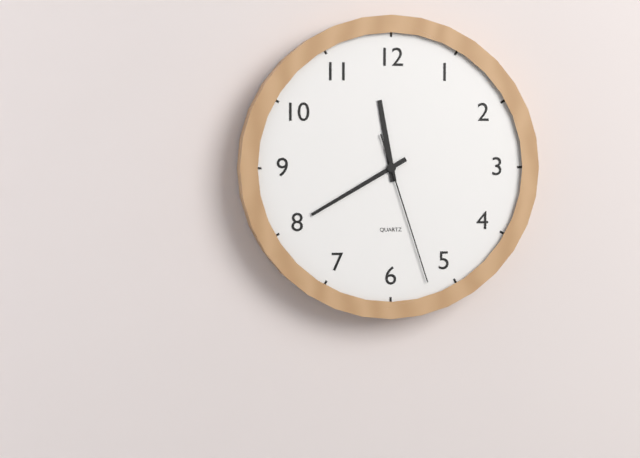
h=11 m=40 s=27
